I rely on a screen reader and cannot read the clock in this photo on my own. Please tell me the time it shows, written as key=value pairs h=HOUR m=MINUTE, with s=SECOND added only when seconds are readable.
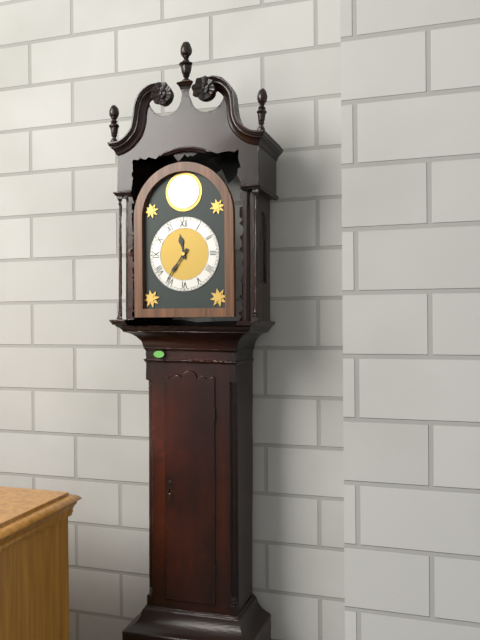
h=11 m=36
